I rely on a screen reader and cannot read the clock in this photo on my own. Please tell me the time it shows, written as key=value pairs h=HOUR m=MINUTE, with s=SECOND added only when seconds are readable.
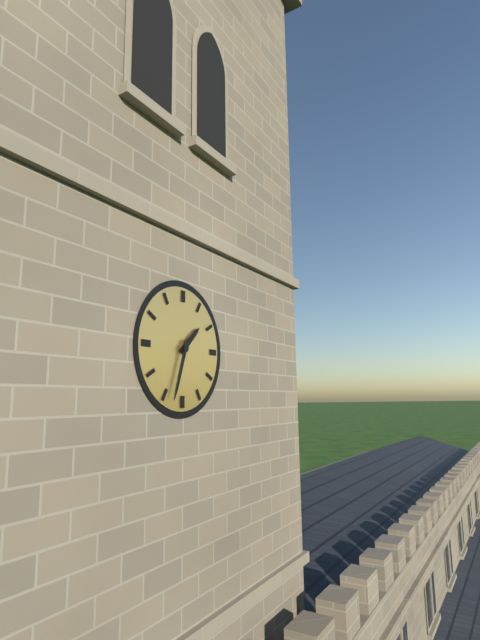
h=1 m=33
